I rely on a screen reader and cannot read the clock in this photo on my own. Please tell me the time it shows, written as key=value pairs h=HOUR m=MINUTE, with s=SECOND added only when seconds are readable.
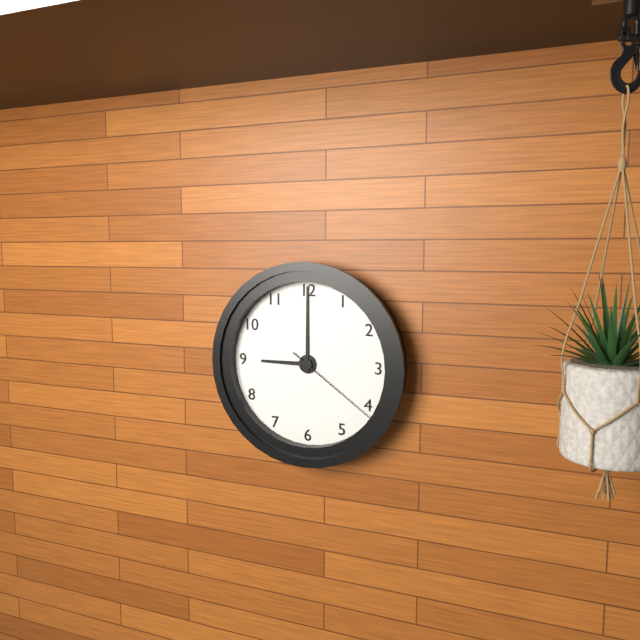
h=9 m=0 s=21
